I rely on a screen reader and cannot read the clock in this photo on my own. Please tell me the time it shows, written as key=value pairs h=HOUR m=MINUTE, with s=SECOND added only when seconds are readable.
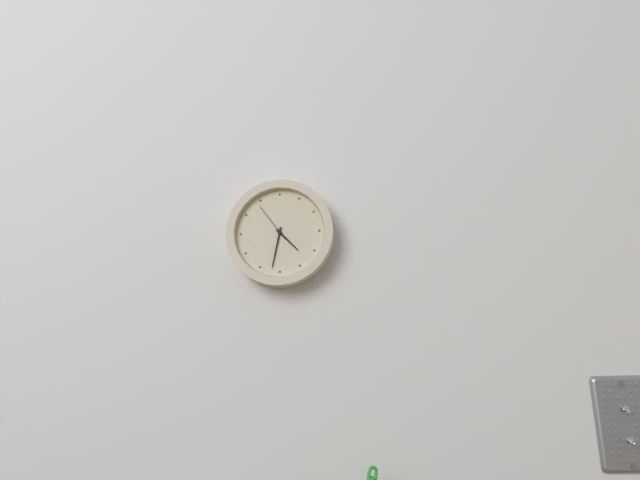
h=4 m=32
